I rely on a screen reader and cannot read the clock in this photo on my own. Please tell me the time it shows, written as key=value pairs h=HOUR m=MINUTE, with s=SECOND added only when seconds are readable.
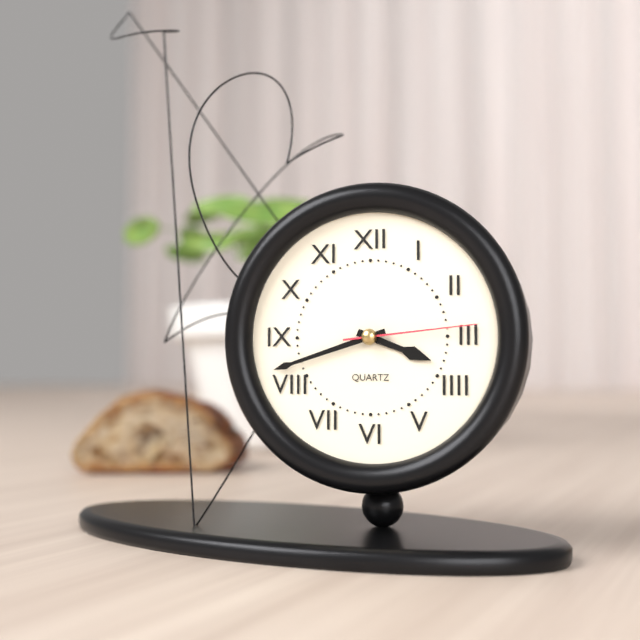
h=3 m=42 s=14
